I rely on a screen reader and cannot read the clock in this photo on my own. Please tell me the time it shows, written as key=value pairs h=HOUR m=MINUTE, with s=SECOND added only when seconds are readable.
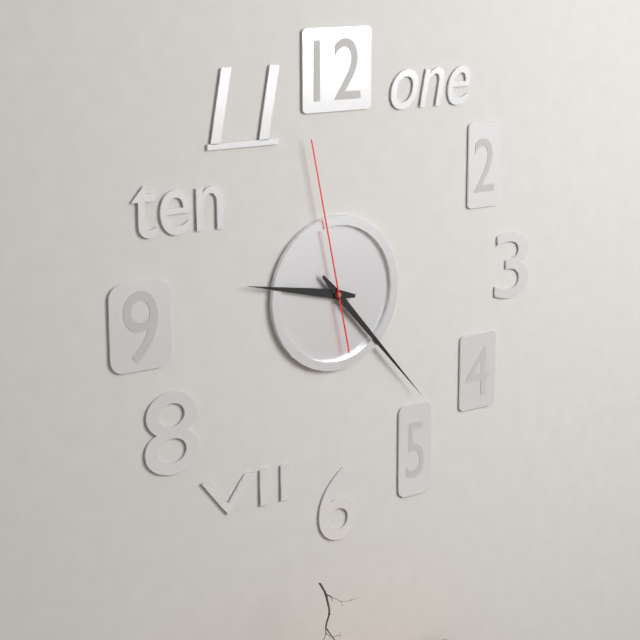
h=9 m=23 s=58
